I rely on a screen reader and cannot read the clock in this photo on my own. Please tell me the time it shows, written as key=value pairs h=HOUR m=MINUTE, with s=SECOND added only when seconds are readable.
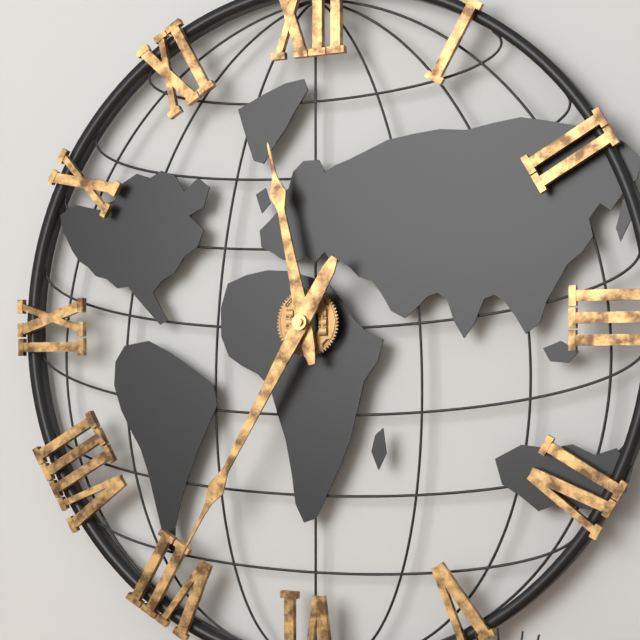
h=11 m=35
